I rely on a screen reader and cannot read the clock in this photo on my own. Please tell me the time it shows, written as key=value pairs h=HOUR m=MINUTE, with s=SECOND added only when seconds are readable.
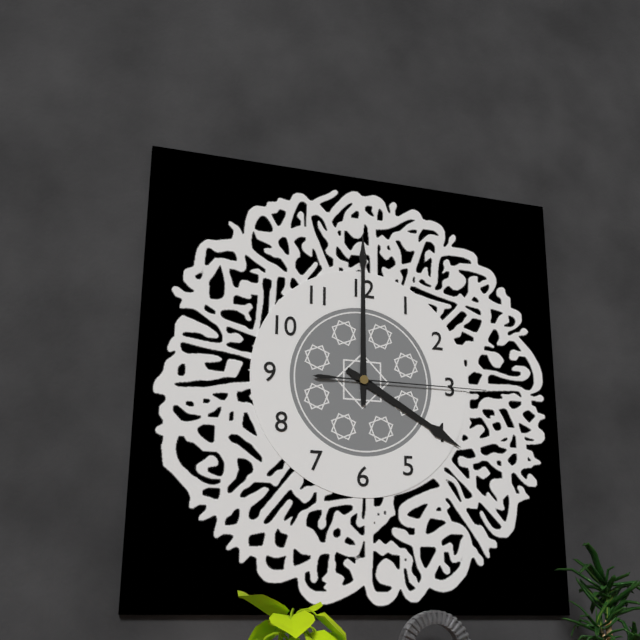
h=4 m=0 s=15
